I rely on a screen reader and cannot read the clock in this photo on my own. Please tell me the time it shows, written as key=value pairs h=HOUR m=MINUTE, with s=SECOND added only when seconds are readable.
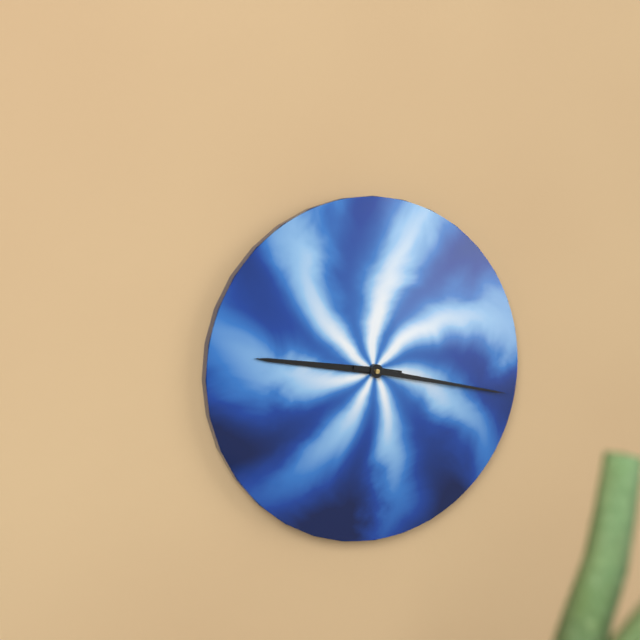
h=9 m=17
